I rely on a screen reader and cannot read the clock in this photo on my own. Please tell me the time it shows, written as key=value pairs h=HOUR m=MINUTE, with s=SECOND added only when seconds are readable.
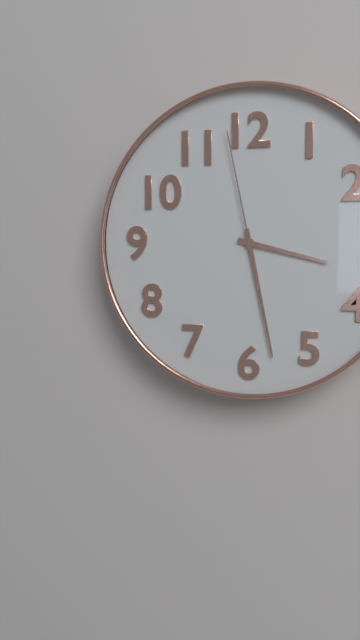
h=3 m=28 s=58
